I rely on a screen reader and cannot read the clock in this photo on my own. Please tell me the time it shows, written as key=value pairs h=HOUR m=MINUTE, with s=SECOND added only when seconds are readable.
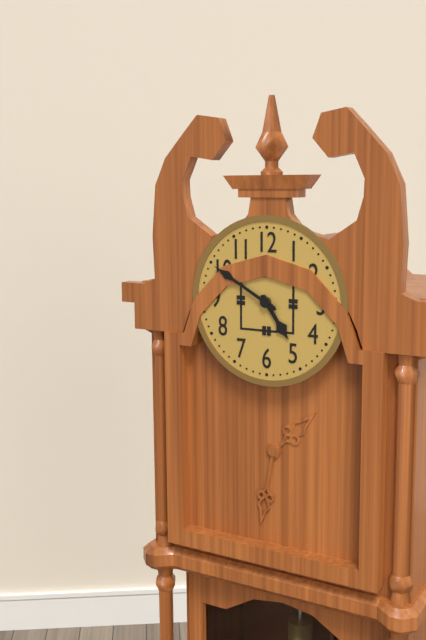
h=4 m=50
